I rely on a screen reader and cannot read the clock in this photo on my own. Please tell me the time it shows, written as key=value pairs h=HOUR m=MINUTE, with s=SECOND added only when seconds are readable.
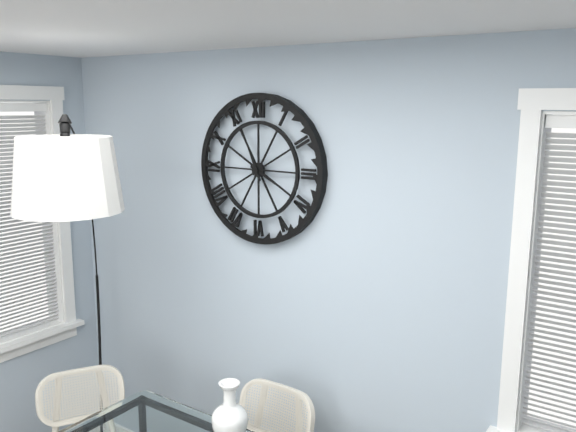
h=3 m=56
